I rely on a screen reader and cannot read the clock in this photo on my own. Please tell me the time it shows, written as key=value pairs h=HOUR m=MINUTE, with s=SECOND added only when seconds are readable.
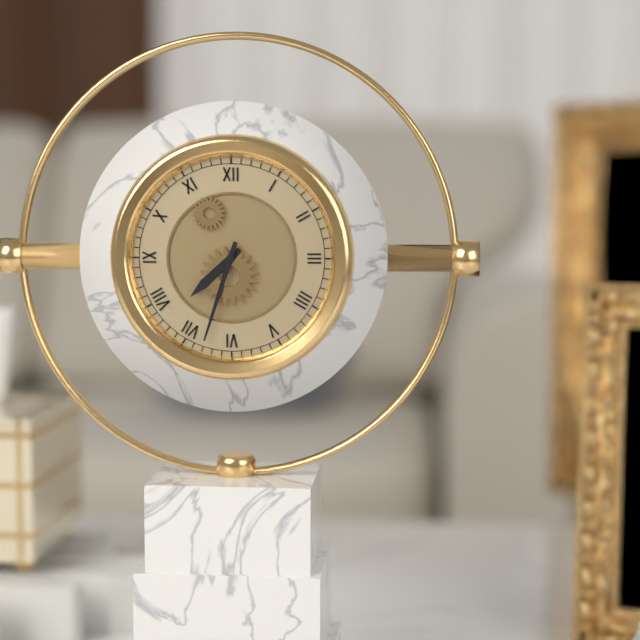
h=7 m=33
